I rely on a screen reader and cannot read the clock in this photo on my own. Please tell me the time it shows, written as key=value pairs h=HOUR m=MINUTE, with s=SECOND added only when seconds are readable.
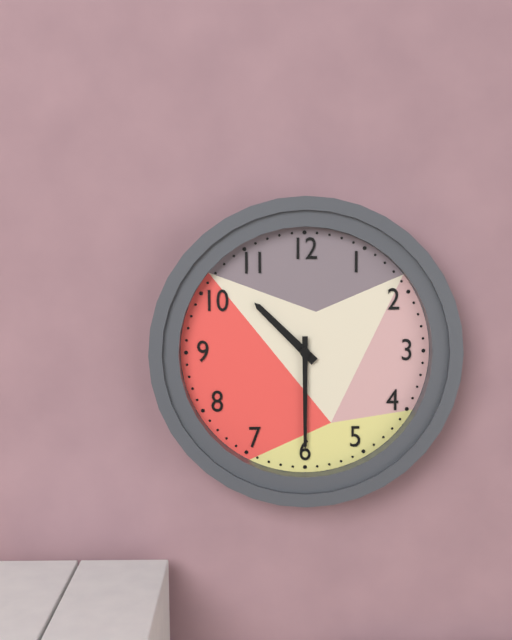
h=10 m=30
